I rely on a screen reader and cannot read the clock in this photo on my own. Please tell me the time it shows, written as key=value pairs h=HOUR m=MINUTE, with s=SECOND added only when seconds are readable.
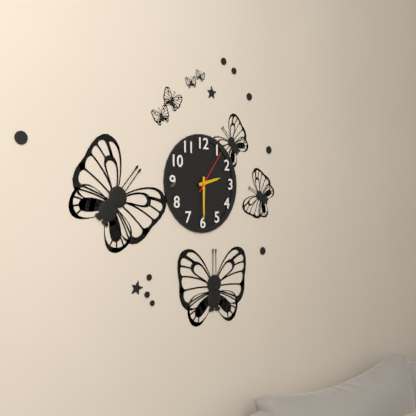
h=2 m=30
